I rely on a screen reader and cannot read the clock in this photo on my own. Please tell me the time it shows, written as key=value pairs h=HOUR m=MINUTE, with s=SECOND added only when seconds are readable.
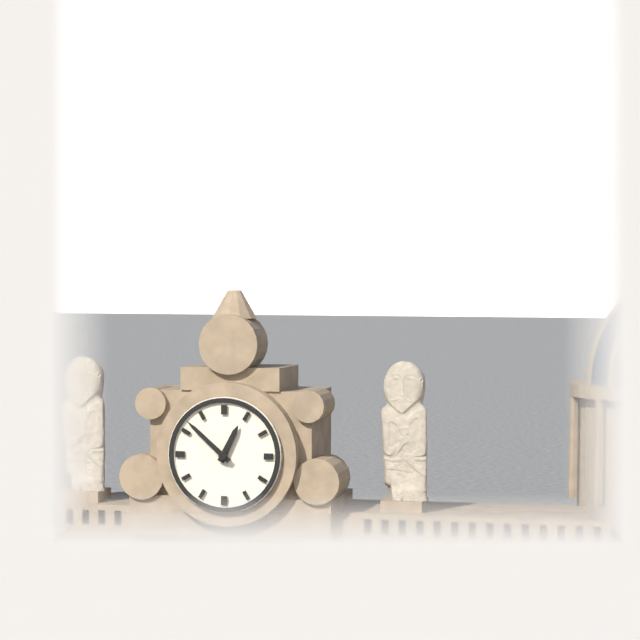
h=12 m=52
